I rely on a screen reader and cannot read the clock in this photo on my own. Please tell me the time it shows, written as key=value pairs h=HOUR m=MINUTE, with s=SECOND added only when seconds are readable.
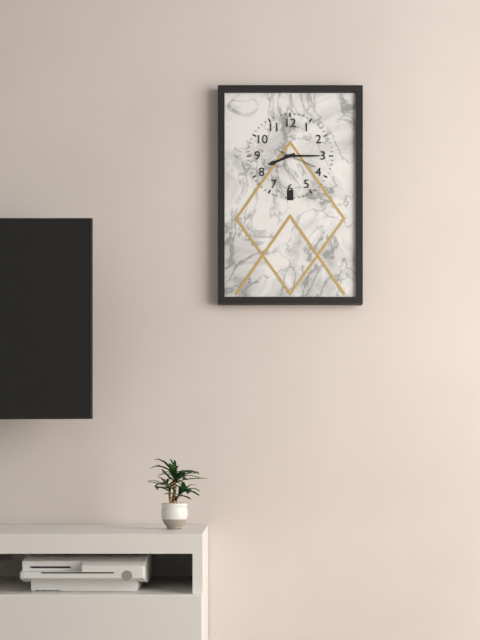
h=8 m=15
